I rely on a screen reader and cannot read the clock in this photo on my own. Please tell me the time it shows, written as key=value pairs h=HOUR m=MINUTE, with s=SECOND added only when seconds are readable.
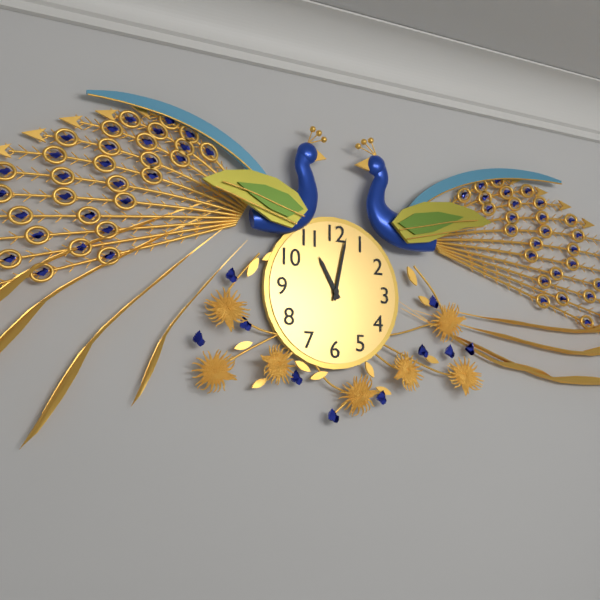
h=11 m=2
